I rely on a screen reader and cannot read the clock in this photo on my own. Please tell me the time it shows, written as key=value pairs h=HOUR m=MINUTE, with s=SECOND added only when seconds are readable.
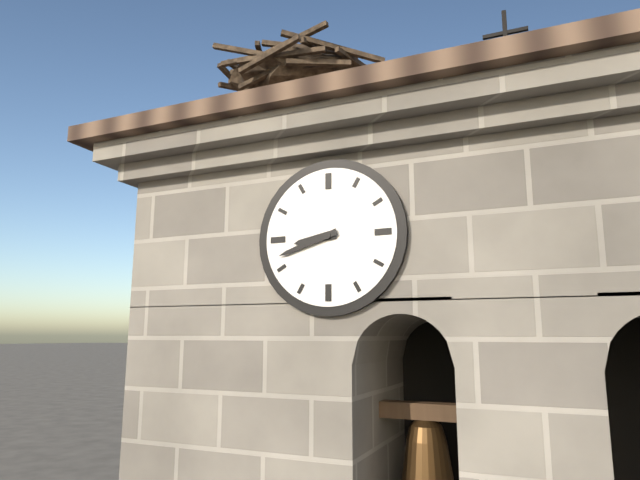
h=8 m=42
